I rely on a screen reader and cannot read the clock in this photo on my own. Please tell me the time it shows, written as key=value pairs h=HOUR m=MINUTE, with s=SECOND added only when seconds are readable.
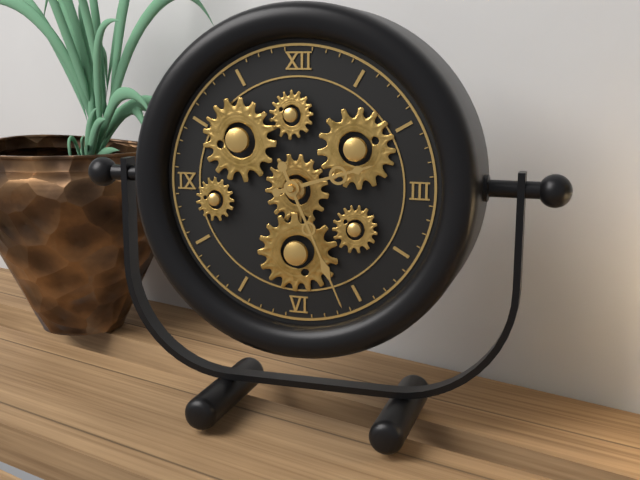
h=2 m=26
